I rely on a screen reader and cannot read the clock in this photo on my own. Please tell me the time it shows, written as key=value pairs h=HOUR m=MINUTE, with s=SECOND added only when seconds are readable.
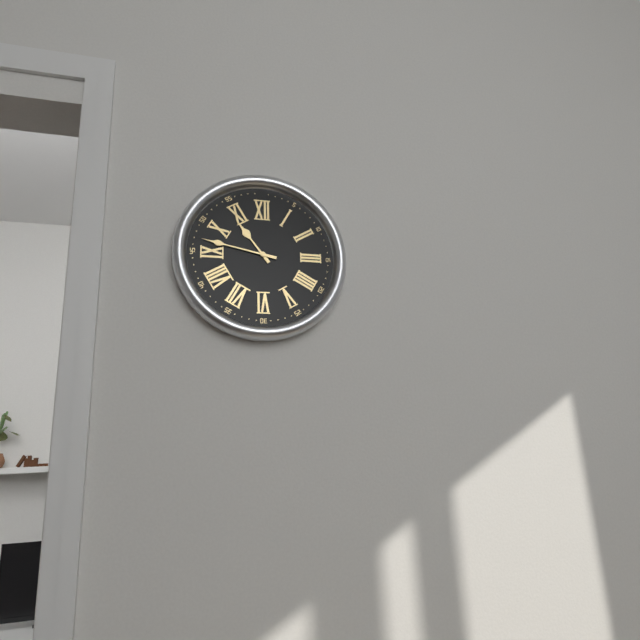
h=10 m=47
